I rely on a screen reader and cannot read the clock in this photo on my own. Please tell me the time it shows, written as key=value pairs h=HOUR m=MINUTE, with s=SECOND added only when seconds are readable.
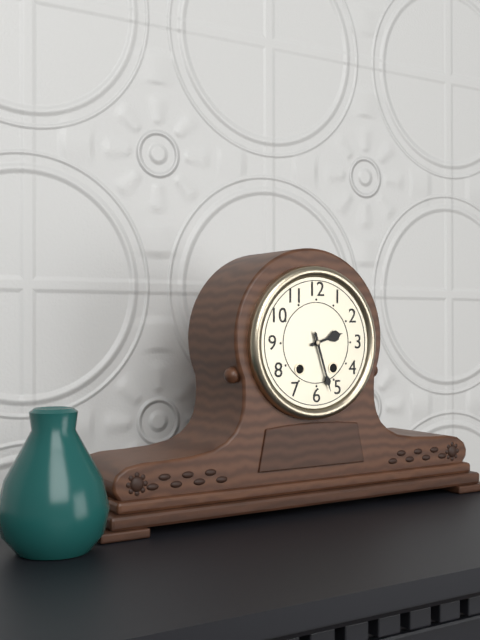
h=2 m=27
